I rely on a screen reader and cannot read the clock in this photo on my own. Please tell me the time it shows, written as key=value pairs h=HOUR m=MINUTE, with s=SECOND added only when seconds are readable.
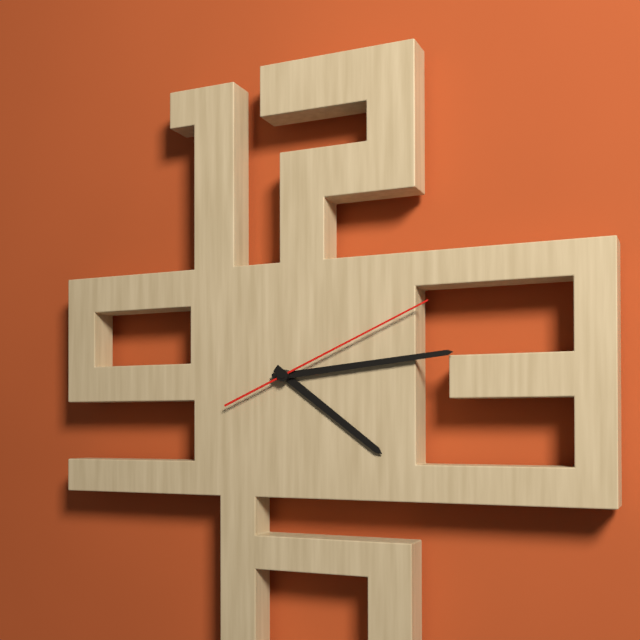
h=4 m=14 s=11
